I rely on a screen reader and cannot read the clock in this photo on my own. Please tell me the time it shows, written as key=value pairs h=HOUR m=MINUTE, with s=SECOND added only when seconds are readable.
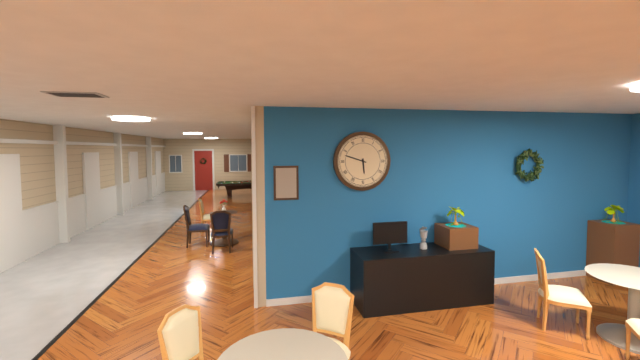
h=5 m=48
